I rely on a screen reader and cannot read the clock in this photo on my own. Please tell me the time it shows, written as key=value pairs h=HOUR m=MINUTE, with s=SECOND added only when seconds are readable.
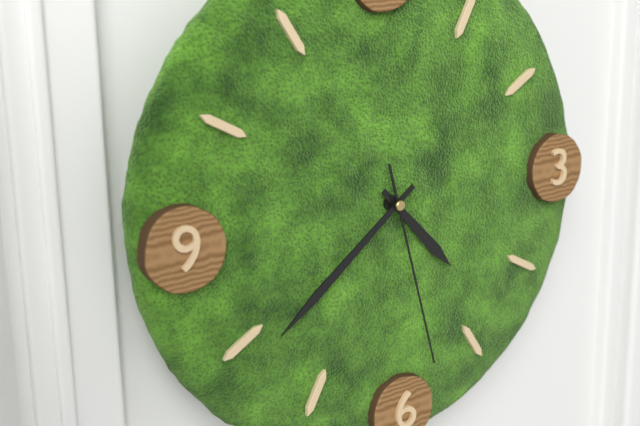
h=4 m=39 s=28
